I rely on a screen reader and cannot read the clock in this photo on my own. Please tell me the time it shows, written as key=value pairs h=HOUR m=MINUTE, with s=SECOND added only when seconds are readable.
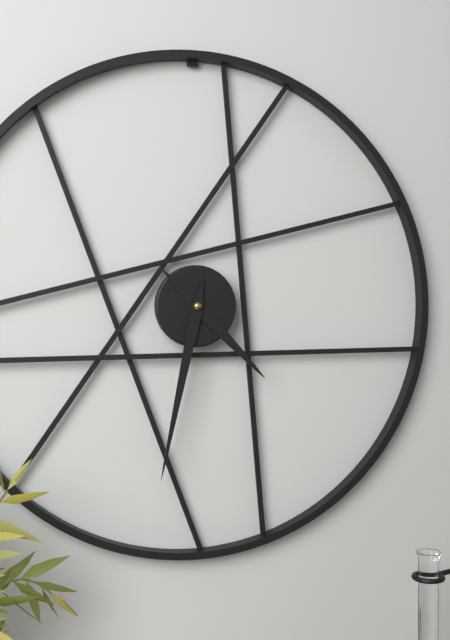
h=4 m=32
